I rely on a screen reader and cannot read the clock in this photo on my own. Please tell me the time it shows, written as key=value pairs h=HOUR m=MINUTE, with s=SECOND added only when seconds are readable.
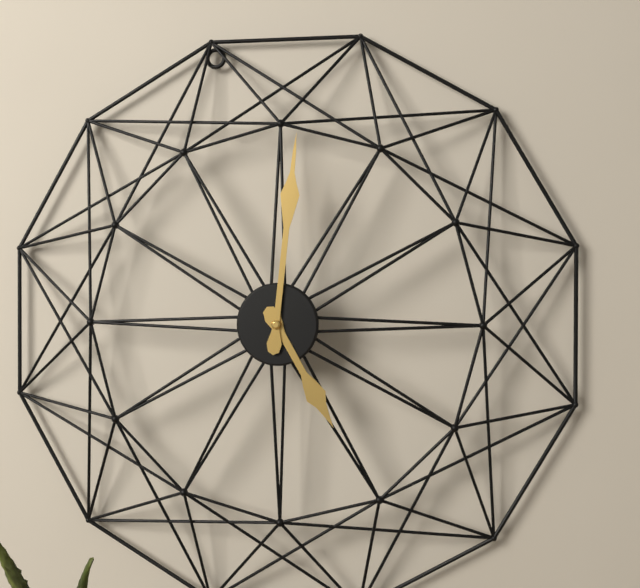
h=5 m=1
